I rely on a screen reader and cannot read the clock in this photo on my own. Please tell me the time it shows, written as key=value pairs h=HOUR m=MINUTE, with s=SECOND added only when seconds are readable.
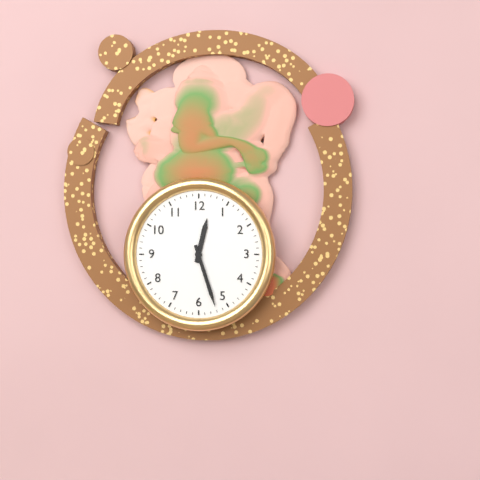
h=12 m=27
